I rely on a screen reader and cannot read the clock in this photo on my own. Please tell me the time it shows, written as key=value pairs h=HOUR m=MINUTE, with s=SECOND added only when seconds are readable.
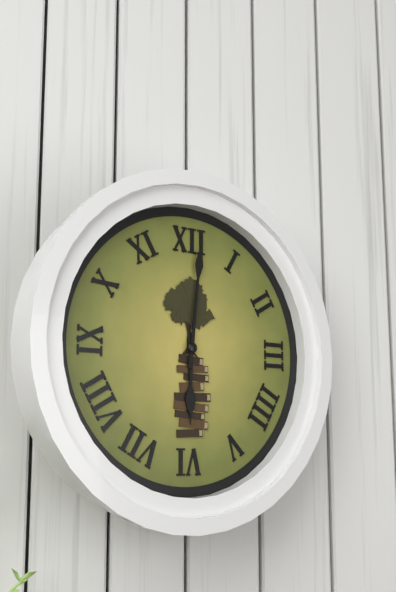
h=6 m=1
